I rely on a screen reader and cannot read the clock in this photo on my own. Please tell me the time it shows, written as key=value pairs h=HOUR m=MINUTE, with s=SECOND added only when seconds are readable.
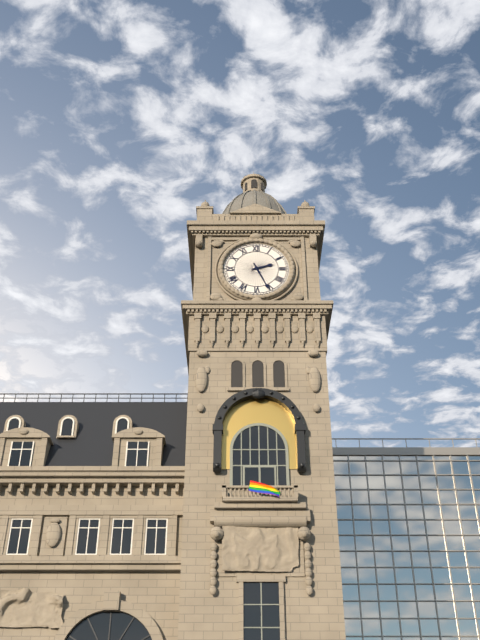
h=2 m=26
